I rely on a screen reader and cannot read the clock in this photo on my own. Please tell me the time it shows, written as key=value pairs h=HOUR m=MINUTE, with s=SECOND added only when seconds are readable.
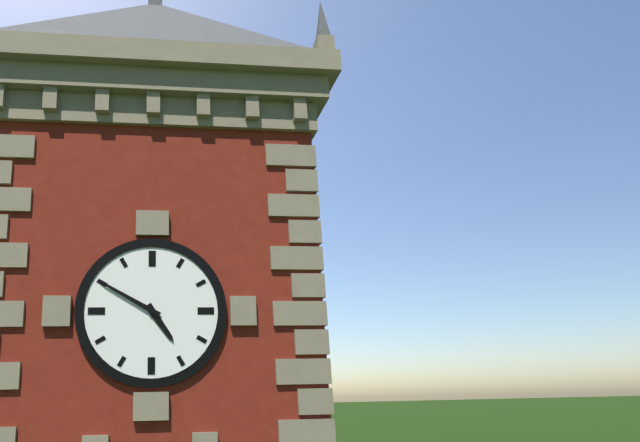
h=4 m=50
